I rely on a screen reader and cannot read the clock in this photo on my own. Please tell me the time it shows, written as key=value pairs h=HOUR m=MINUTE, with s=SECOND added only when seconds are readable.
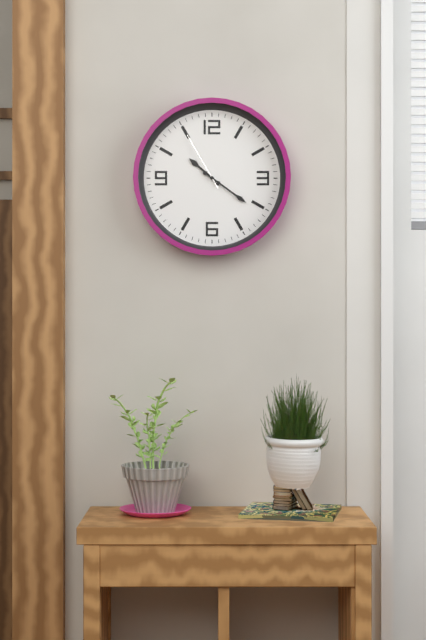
h=10 m=21 s=55
